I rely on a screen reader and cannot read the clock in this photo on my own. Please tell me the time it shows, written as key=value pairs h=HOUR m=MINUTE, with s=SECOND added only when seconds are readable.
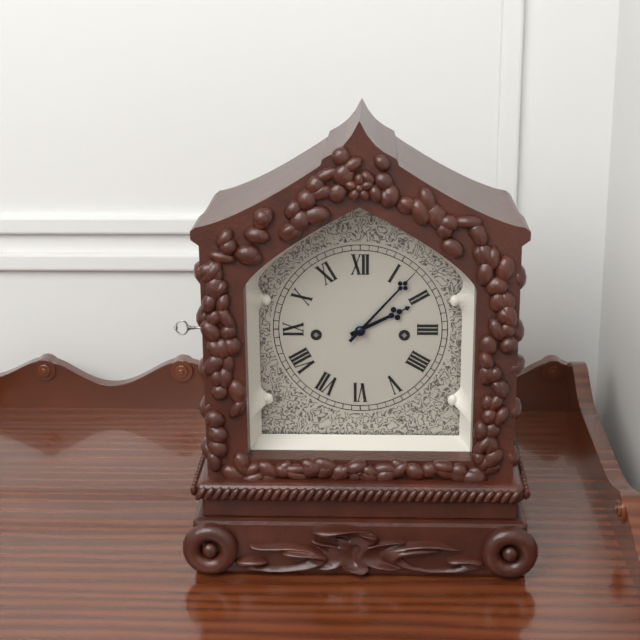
h=2 m=7
